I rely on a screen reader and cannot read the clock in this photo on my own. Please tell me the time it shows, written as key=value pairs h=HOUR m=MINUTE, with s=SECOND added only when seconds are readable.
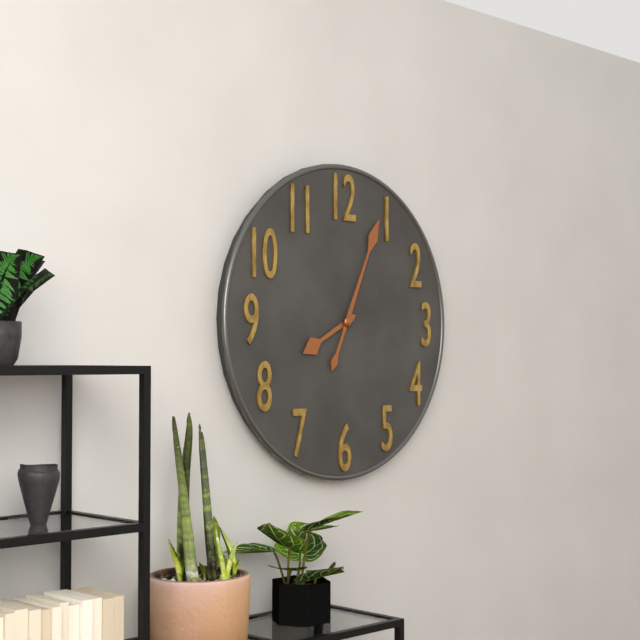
h=8 m=4
